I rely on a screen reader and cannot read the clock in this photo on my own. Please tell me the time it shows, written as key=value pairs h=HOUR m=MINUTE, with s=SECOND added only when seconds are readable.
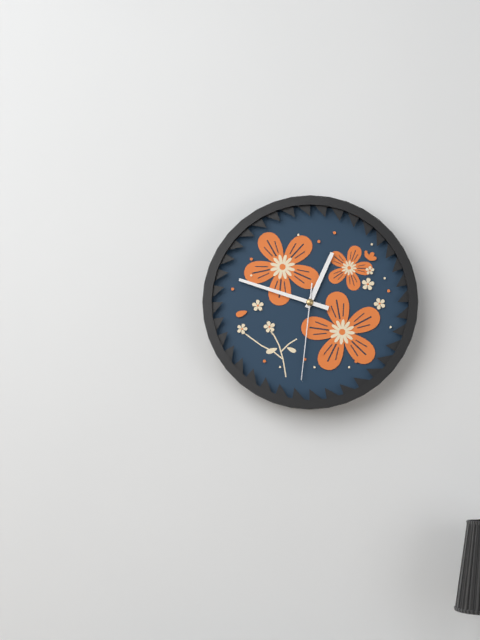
h=12 m=48 s=31
